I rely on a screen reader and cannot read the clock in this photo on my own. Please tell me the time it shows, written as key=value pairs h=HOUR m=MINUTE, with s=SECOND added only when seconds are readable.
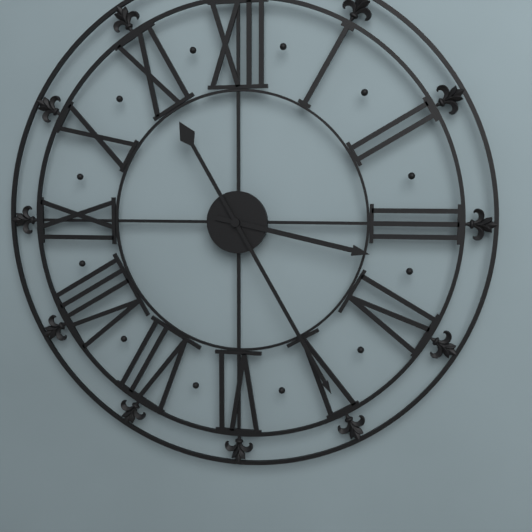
h=3 m=25
